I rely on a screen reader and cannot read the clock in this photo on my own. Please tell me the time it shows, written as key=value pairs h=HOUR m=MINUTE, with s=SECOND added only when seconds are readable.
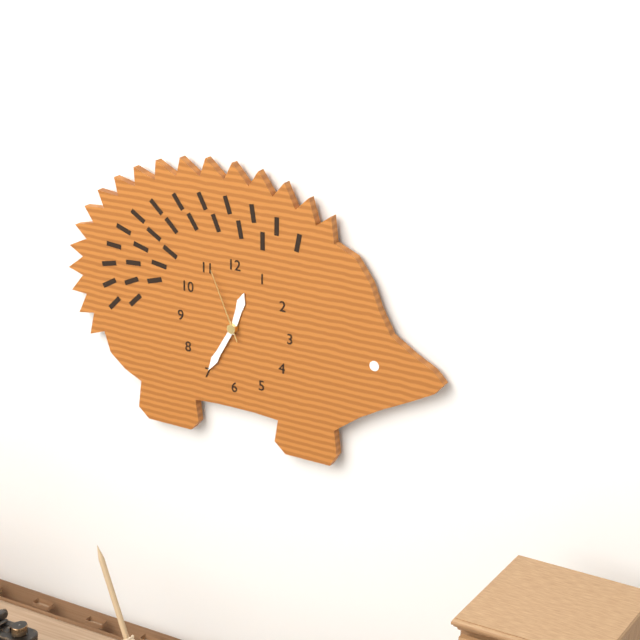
h=12 m=35 s=56
